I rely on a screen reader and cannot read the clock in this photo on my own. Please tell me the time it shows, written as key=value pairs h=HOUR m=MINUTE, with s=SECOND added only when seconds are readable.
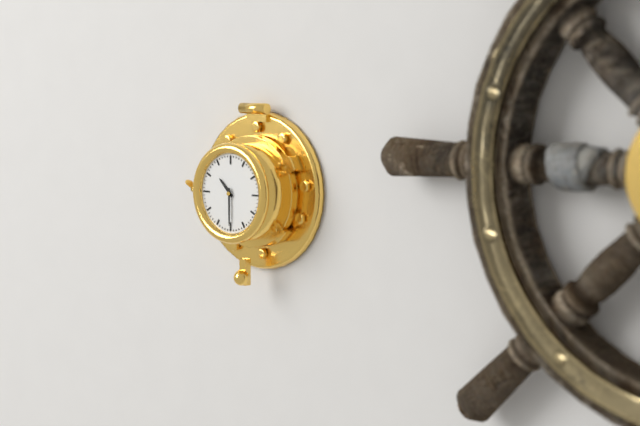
h=10 m=30
